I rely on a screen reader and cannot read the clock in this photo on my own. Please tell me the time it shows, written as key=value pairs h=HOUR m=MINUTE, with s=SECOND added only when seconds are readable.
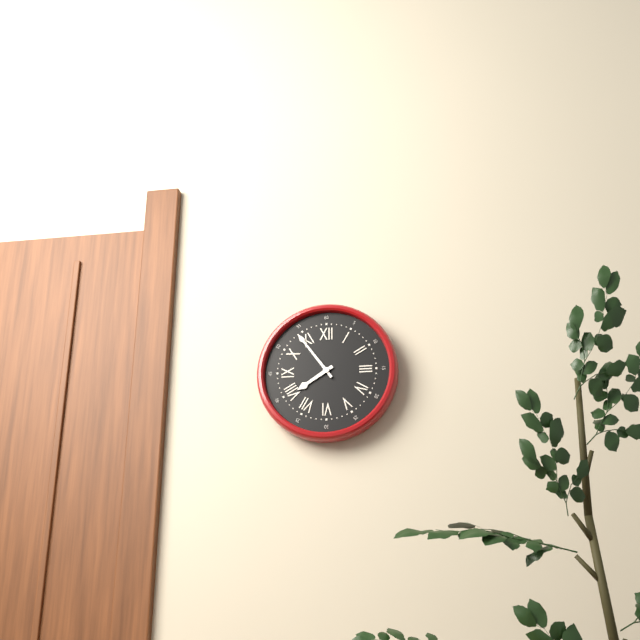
h=7 m=54
